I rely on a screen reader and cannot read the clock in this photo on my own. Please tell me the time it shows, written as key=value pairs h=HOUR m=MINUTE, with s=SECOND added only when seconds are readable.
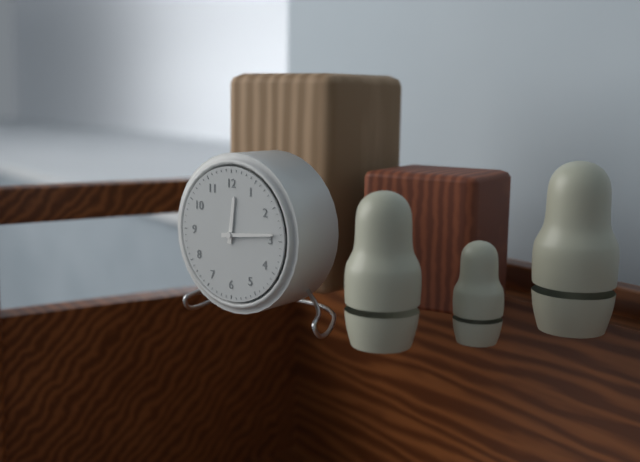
h=12 m=14
